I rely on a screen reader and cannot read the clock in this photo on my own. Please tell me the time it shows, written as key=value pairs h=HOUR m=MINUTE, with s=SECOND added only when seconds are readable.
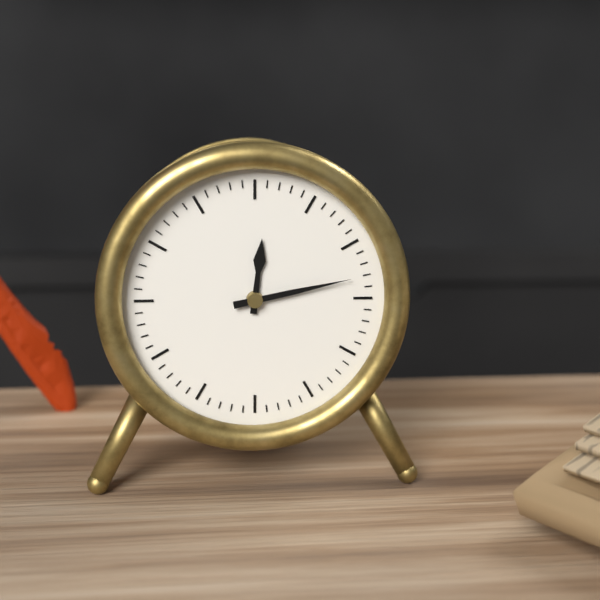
h=12 m=13
